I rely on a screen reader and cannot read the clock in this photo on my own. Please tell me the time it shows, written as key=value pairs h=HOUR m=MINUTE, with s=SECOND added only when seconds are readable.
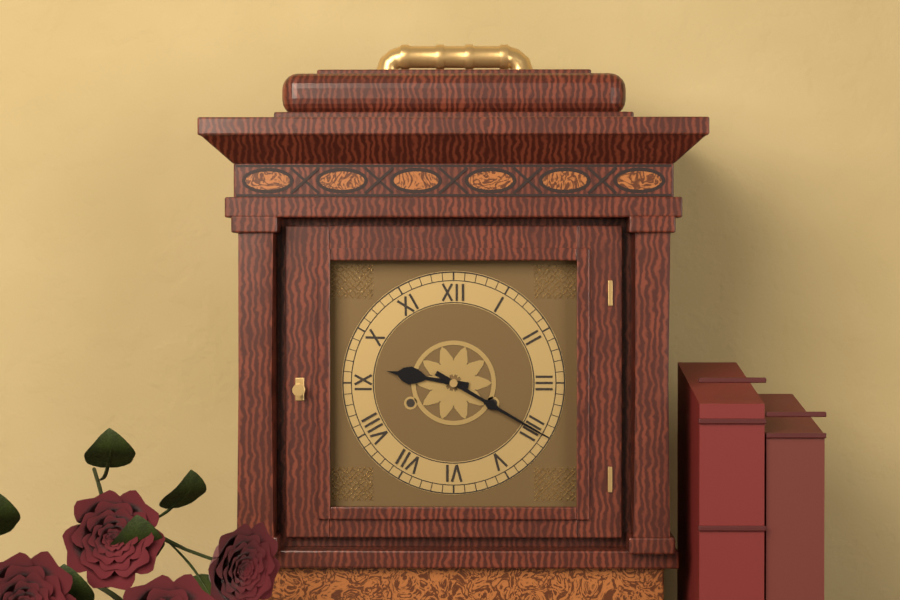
h=9 m=20
